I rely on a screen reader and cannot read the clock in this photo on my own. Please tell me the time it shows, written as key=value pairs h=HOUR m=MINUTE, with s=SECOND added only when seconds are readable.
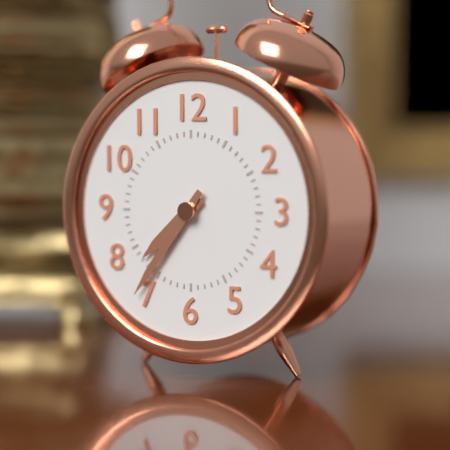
h=7 m=36
